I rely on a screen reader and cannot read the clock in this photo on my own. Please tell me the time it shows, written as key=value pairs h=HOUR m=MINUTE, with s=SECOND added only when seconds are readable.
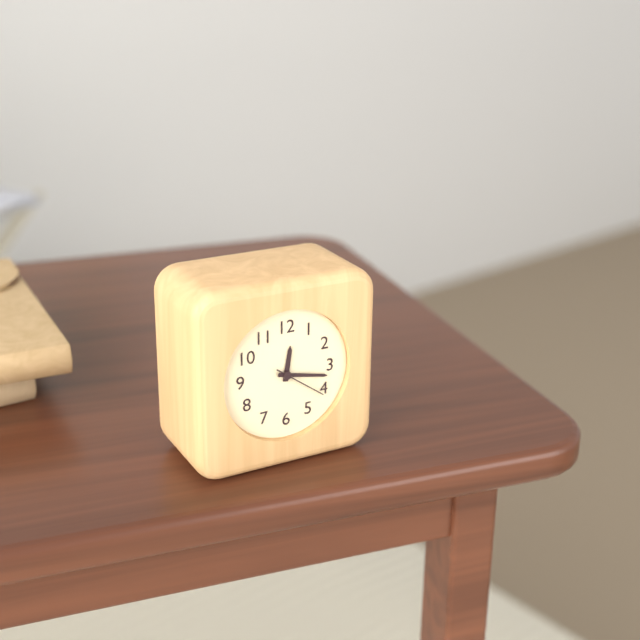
h=12 m=17 s=21
